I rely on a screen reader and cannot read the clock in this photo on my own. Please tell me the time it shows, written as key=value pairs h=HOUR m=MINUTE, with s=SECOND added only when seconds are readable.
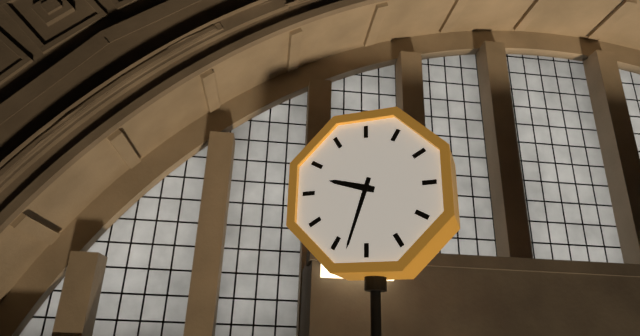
h=9 m=33
